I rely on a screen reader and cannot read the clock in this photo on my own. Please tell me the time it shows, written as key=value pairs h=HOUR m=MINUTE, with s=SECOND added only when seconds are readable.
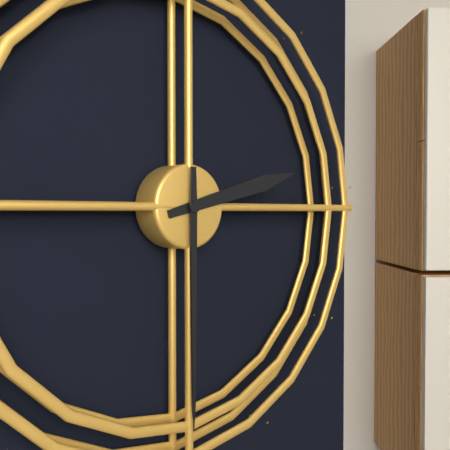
h=2 m=30
